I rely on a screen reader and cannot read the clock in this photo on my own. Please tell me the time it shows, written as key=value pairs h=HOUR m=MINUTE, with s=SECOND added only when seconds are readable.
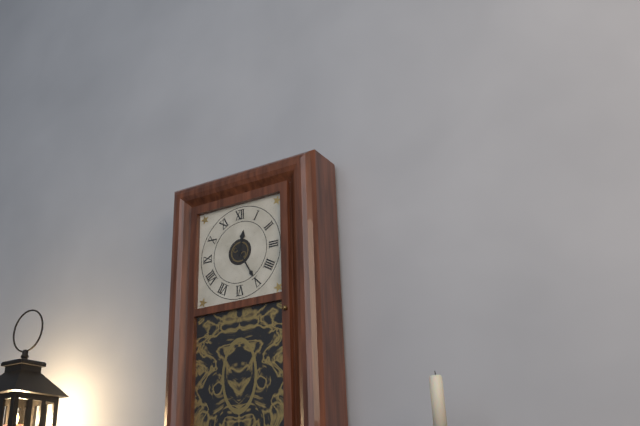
h=12 m=25
